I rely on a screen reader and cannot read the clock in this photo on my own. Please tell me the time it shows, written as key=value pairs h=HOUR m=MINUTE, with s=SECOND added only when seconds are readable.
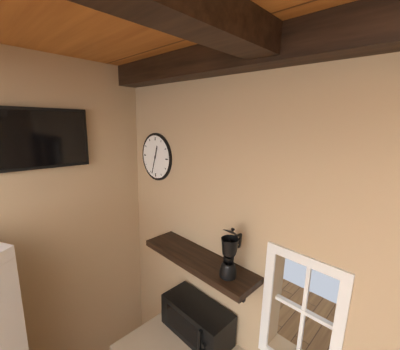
h=12 m=33
